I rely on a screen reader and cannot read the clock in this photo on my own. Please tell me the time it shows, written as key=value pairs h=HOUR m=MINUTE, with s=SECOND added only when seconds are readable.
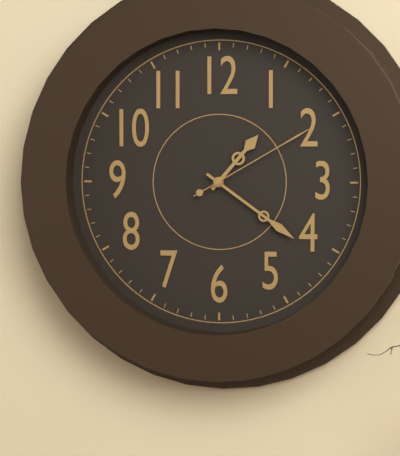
h=1 m=21 s=10
